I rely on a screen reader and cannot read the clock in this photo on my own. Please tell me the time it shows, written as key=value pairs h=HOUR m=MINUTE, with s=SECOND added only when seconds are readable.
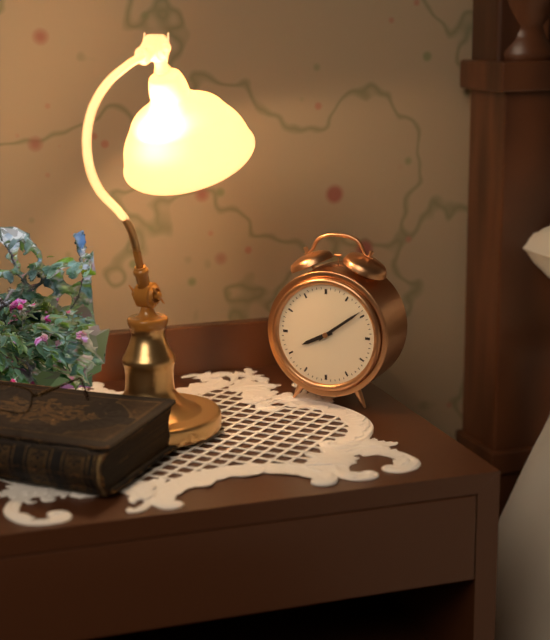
h=8 m=9
